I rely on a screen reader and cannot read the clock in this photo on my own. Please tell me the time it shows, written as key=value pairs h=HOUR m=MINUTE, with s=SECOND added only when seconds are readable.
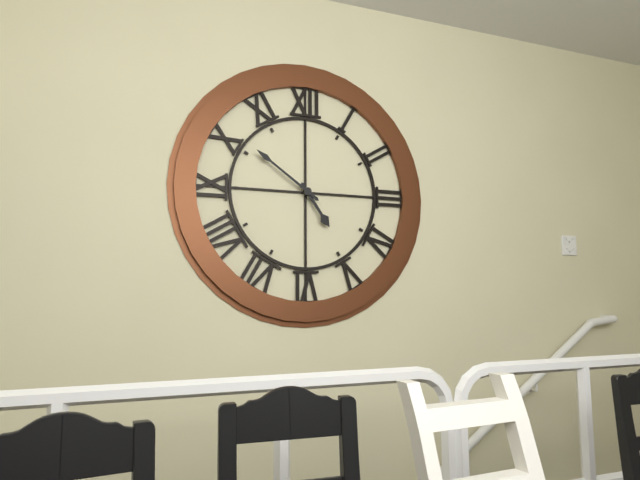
h=4 m=51
